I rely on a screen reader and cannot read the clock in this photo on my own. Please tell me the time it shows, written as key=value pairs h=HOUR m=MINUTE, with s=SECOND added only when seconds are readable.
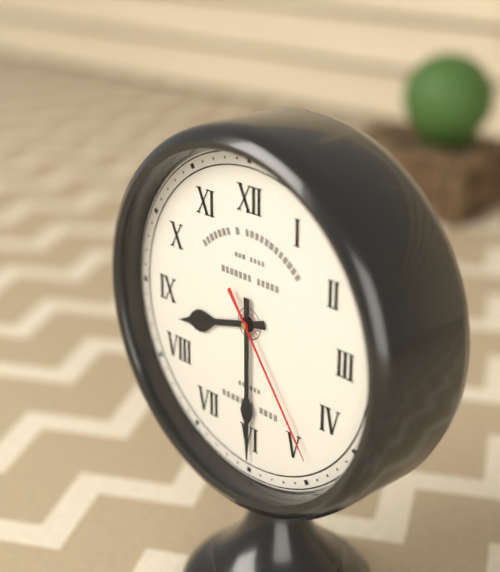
h=8 m=30 s=24
